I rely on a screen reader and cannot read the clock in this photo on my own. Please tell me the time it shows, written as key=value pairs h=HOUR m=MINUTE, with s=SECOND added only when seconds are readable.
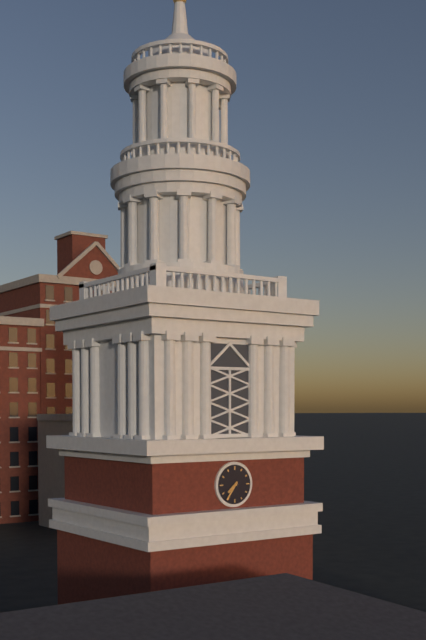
h=7 m=36
